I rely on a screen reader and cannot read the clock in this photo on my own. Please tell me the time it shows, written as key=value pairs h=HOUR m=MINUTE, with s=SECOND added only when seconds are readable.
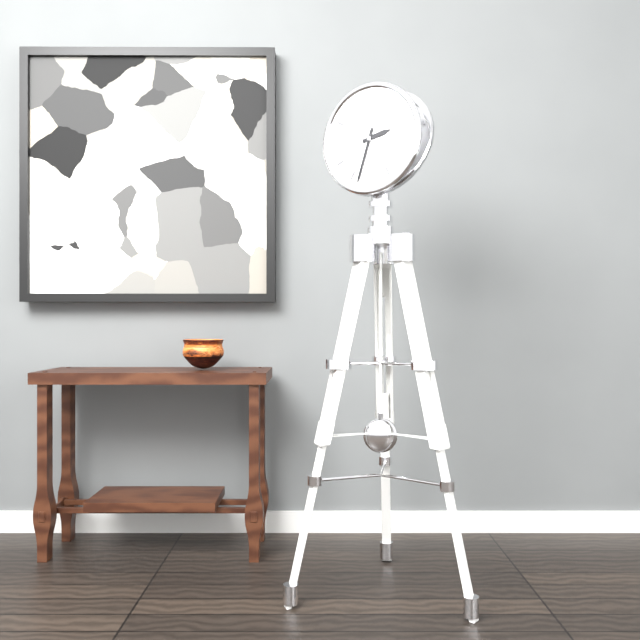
h=2 m=33
